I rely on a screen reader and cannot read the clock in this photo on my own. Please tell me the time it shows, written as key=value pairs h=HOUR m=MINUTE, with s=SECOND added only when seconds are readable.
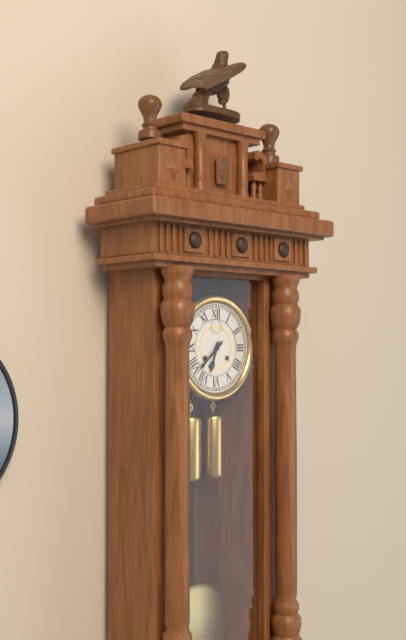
h=6 m=38
